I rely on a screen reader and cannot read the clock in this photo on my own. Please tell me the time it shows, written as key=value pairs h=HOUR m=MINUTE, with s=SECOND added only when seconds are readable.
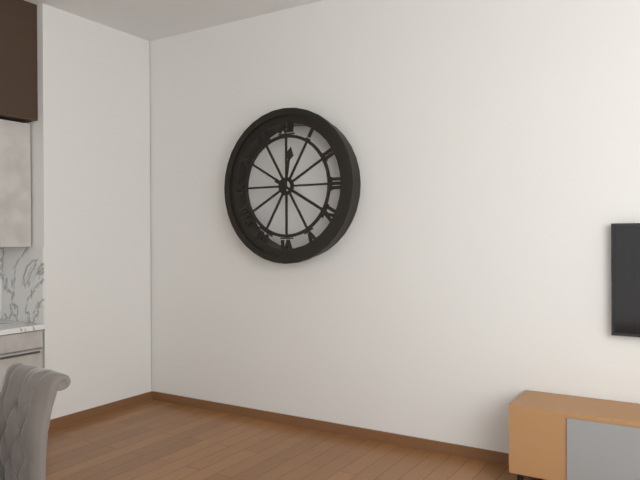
h=12 m=20
